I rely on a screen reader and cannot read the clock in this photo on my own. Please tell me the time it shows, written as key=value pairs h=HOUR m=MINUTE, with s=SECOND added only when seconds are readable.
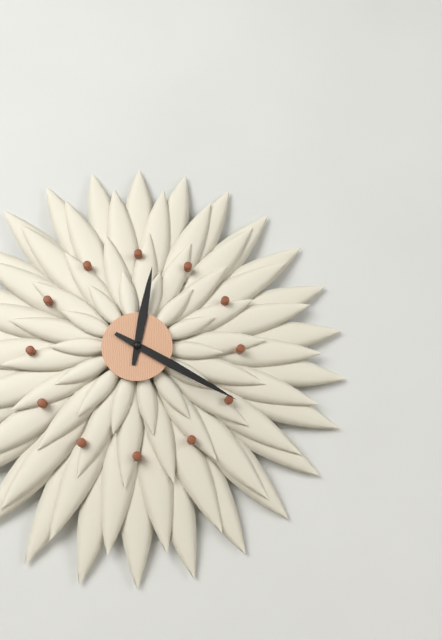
h=12 m=20
